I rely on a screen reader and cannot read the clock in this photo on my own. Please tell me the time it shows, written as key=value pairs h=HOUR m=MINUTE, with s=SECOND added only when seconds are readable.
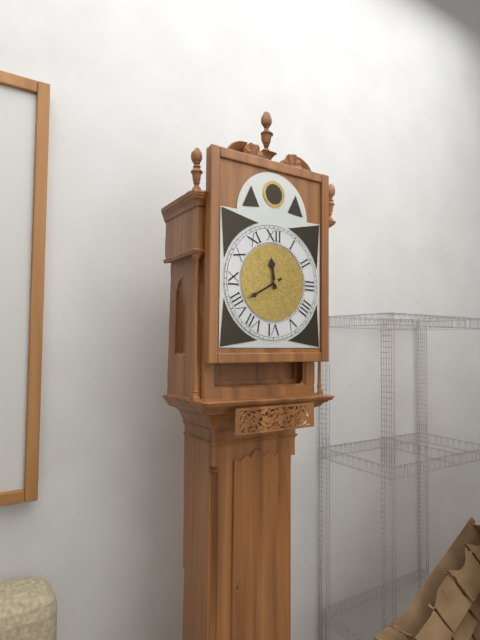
h=11 m=40
